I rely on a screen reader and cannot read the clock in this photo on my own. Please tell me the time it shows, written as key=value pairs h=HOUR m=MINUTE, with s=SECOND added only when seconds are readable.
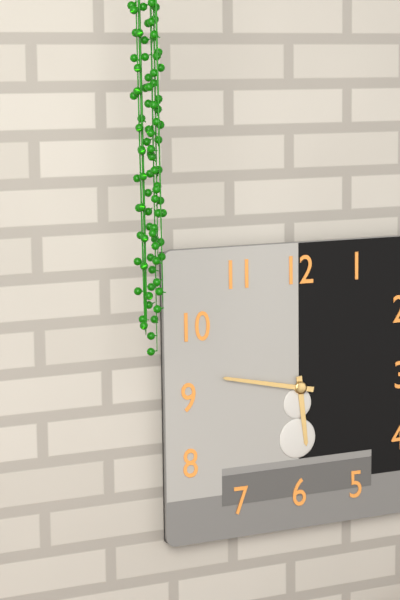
h=5 m=47
